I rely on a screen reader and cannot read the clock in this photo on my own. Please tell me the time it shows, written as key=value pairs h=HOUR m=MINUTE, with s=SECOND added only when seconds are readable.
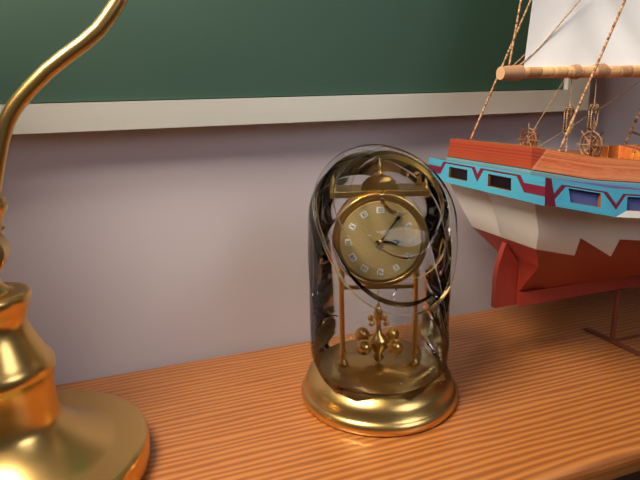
h=3 m=6
